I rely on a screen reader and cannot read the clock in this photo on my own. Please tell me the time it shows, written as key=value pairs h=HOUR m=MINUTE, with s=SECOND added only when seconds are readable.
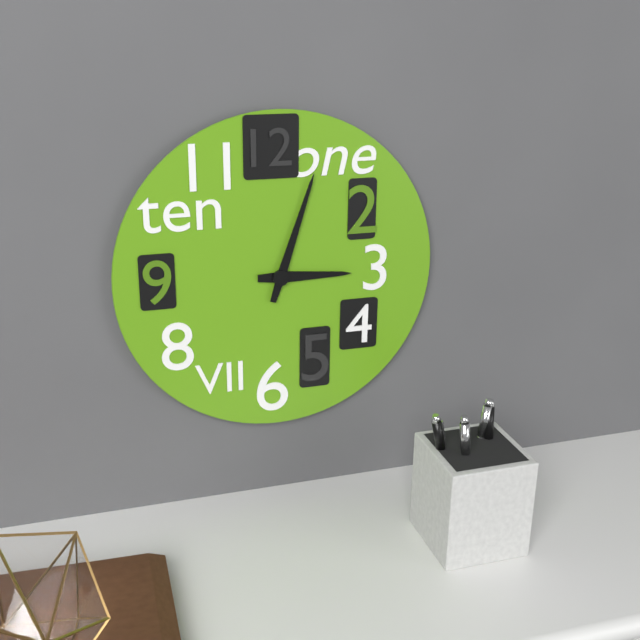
h=3 m=3
